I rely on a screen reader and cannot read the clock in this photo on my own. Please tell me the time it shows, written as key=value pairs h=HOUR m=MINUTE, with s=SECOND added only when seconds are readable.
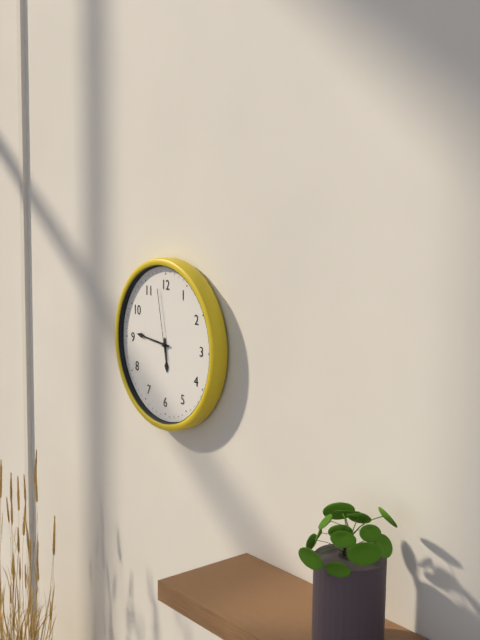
h=5 m=46 s=58
